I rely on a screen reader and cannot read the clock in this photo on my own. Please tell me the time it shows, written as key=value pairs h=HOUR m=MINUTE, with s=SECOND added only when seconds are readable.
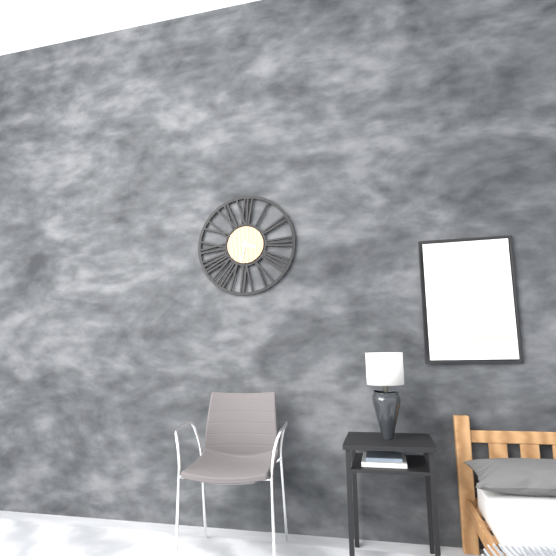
h=3 m=32
